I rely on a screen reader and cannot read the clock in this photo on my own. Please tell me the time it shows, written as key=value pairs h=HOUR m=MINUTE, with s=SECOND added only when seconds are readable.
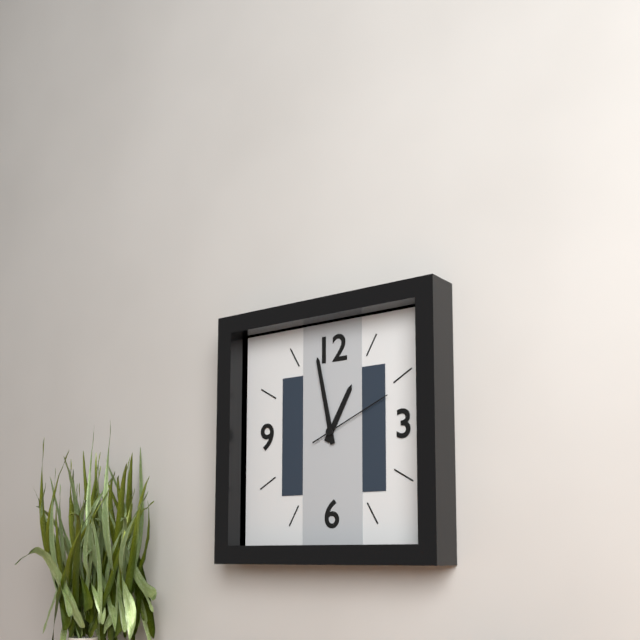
h=12 m=58 s=11
